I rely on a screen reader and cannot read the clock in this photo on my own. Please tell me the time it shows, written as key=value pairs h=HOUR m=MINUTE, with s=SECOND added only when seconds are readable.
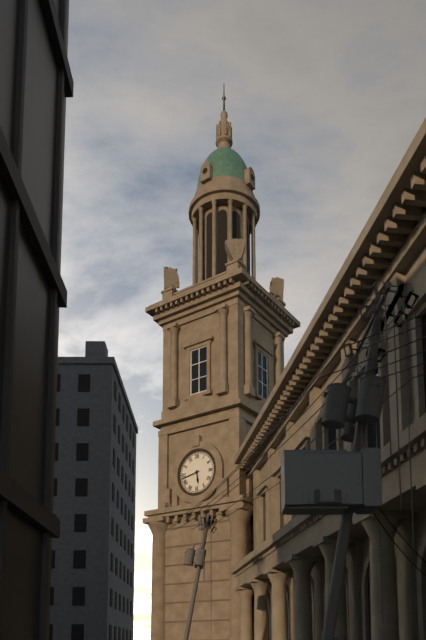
h=5 m=43
